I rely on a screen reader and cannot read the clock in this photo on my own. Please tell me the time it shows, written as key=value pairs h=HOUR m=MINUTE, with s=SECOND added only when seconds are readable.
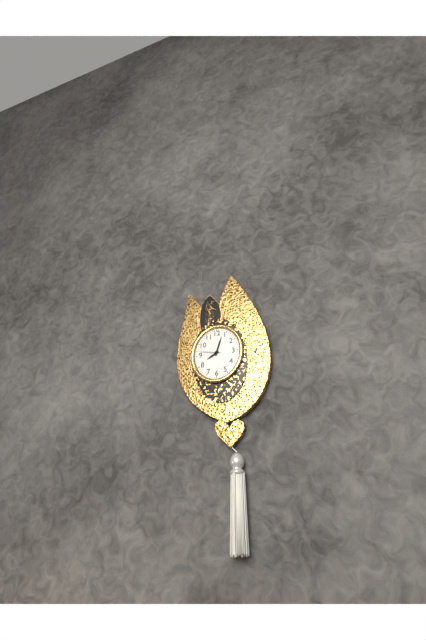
h=8 m=3
